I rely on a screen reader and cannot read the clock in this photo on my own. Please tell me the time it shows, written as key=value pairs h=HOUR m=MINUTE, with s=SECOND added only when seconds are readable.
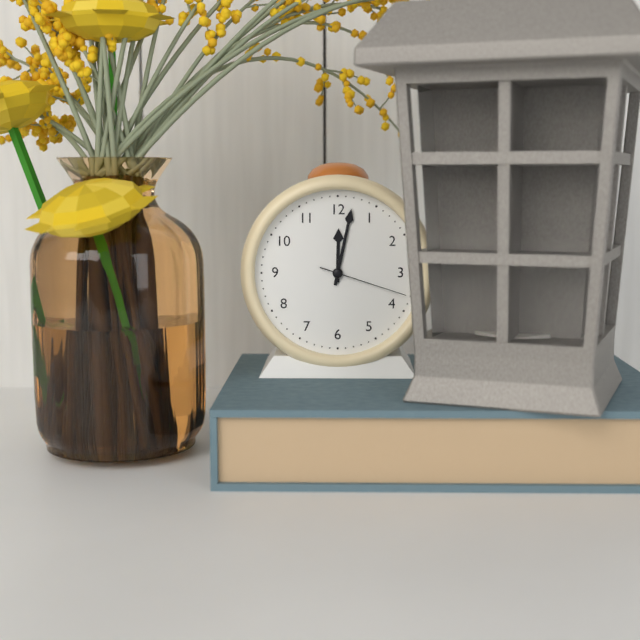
h=12 m=2 s=18
